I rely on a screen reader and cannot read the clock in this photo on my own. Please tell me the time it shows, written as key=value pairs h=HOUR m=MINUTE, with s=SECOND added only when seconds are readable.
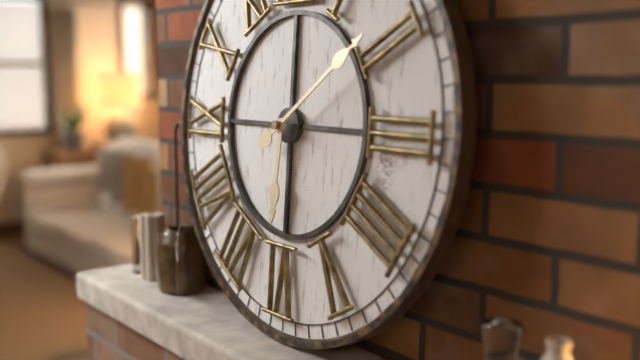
h=6 m=9
